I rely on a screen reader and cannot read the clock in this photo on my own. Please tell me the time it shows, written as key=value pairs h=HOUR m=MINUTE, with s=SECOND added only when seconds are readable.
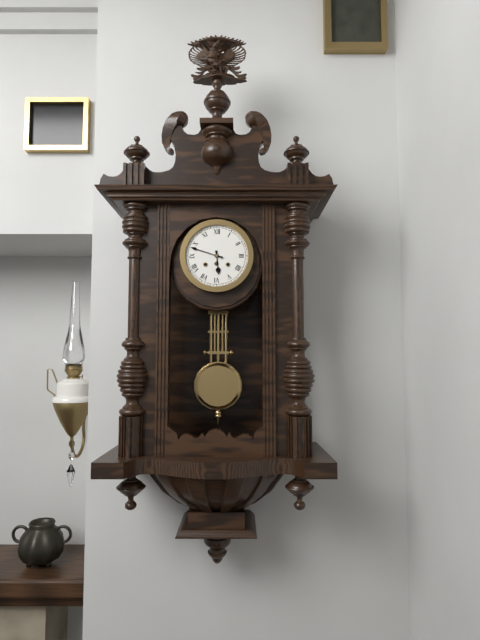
h=5 m=48
